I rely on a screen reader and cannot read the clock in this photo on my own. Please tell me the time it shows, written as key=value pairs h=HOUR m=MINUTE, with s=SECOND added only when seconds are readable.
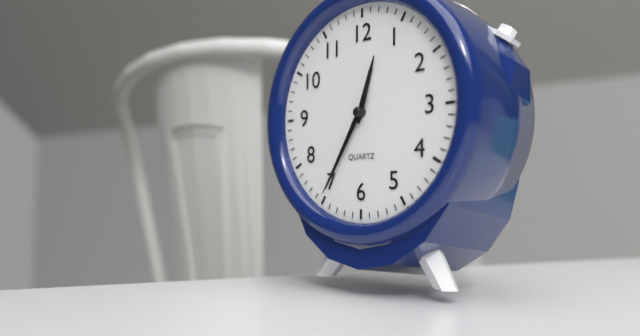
h=12 m=35 s=35
